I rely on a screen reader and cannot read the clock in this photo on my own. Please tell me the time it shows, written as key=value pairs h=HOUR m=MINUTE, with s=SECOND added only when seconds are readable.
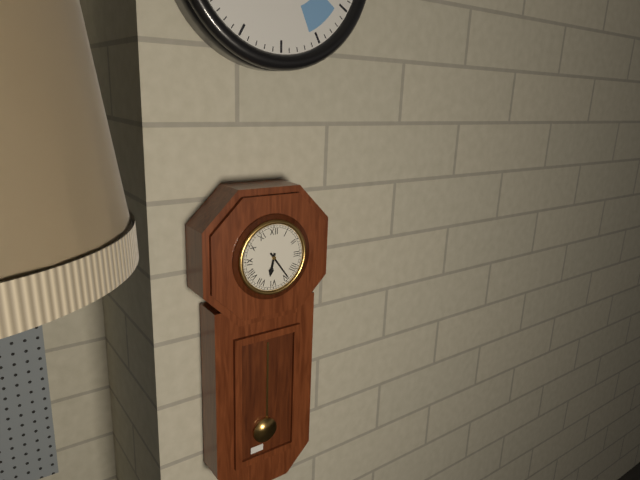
h=6 m=24
